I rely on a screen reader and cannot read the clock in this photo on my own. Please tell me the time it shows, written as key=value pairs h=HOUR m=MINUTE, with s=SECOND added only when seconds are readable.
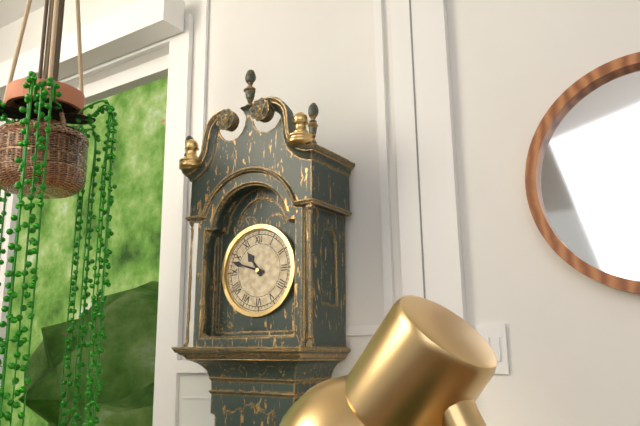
h=10 m=48
